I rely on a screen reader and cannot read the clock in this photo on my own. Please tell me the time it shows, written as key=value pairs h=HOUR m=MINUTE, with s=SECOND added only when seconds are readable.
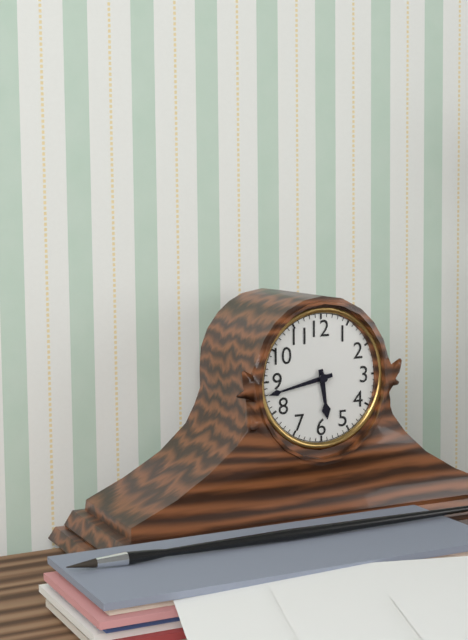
h=5 m=43
